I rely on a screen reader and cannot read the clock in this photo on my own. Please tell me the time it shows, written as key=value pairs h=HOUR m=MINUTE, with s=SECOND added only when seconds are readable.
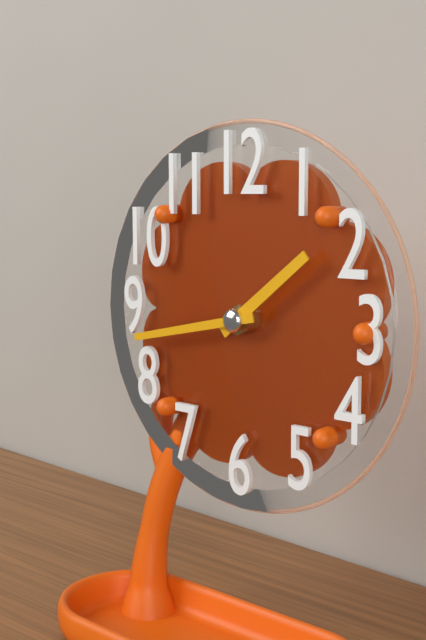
h=1 m=43
